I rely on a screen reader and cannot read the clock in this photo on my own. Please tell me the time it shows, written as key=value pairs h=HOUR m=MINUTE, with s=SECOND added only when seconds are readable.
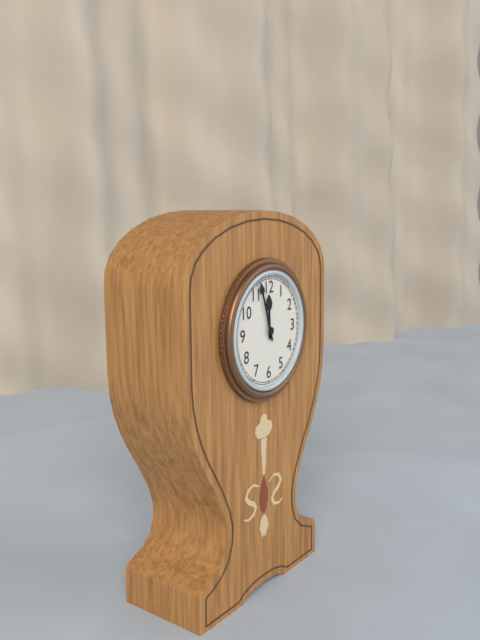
h=11 m=57
